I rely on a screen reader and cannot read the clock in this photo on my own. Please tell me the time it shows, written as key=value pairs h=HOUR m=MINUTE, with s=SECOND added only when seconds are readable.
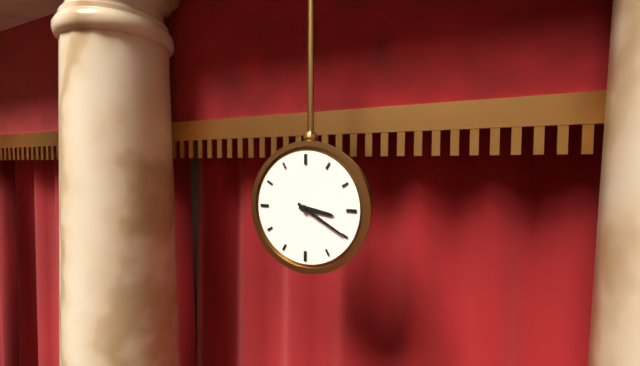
h=3 m=20
